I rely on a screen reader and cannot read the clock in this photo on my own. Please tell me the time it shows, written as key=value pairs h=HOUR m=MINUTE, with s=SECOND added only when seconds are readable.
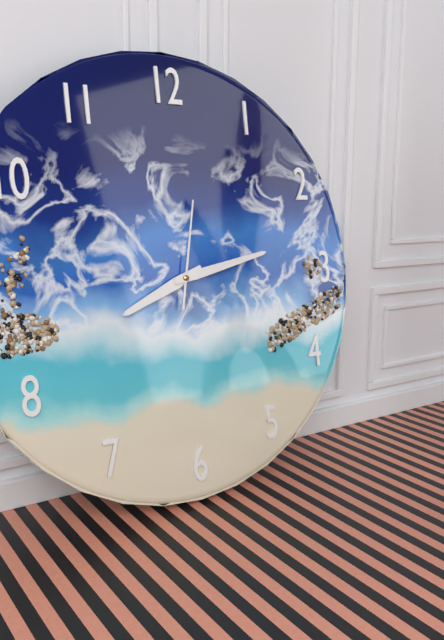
h=8 m=13 s=2
